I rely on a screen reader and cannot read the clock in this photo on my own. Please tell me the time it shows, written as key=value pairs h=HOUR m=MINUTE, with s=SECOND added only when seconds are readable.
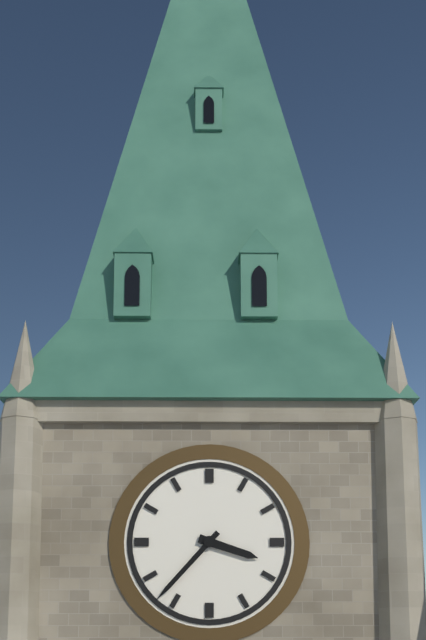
h=3 m=37
